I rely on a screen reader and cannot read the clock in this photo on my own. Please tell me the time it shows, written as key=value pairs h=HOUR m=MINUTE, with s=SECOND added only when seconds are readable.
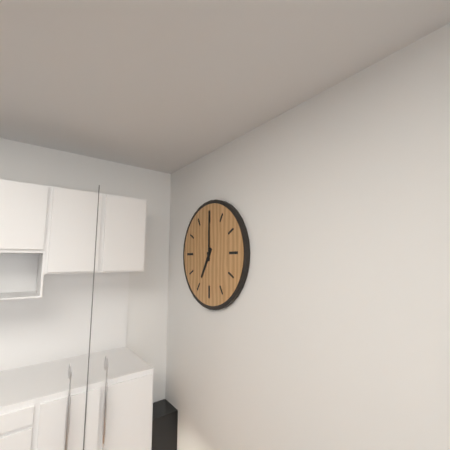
h=7 m=0
